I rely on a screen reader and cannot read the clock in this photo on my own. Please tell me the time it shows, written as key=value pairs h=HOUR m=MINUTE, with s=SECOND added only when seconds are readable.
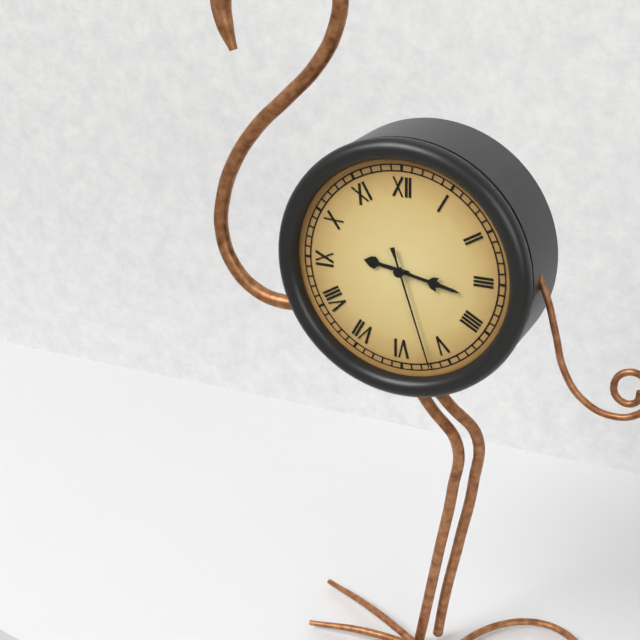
h=9 m=17 s=27
